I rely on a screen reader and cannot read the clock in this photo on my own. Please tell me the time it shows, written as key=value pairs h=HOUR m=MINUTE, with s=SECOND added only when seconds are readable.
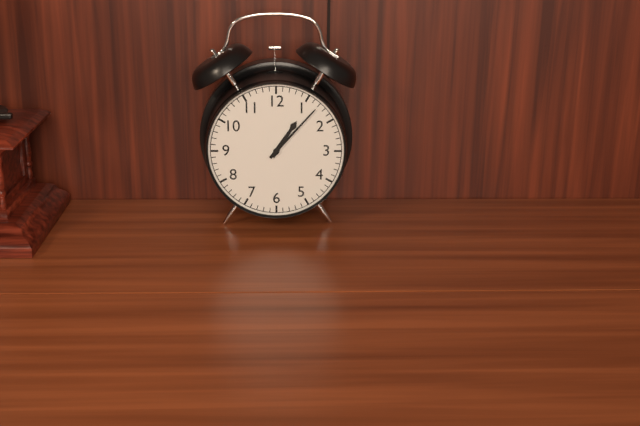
h=1 m=7
